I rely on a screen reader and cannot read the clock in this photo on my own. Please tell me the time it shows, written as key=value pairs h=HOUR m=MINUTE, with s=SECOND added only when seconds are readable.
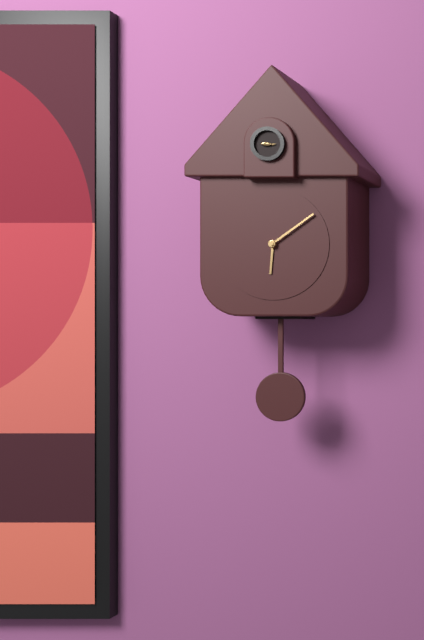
h=6 m=9
